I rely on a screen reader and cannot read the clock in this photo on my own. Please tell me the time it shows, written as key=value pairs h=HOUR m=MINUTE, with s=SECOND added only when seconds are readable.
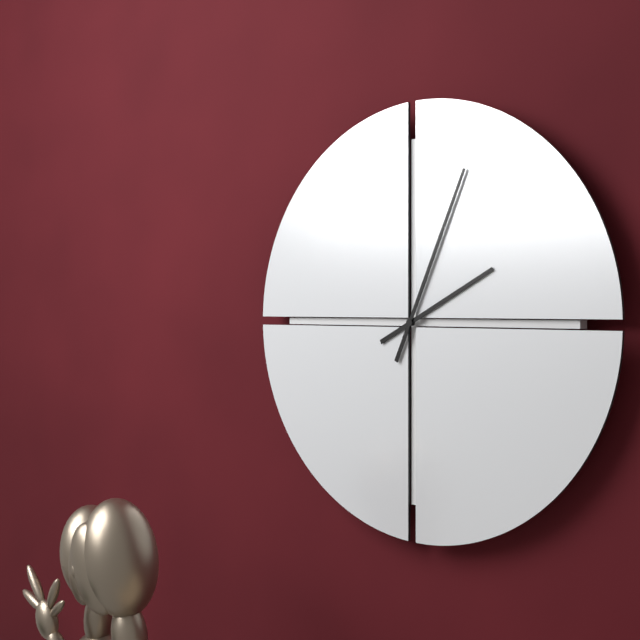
h=2 m=4
